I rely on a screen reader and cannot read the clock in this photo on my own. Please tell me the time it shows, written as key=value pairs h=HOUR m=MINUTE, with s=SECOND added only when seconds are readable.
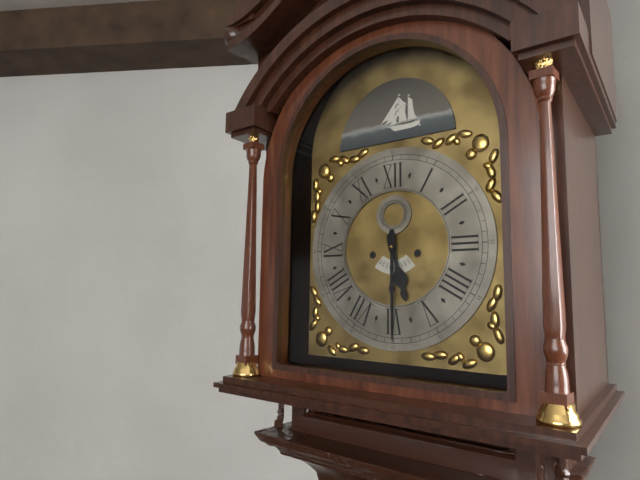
h=5 m=30
